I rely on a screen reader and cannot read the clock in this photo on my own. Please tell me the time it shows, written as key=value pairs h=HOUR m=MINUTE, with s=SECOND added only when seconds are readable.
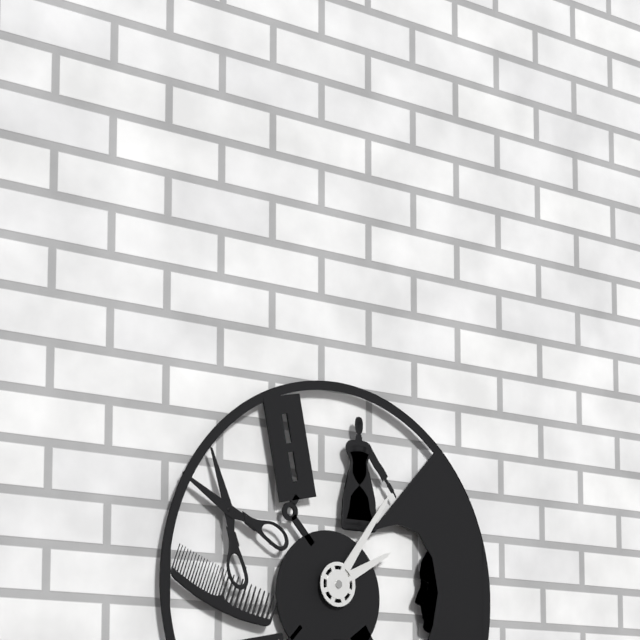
h=2 m=6
